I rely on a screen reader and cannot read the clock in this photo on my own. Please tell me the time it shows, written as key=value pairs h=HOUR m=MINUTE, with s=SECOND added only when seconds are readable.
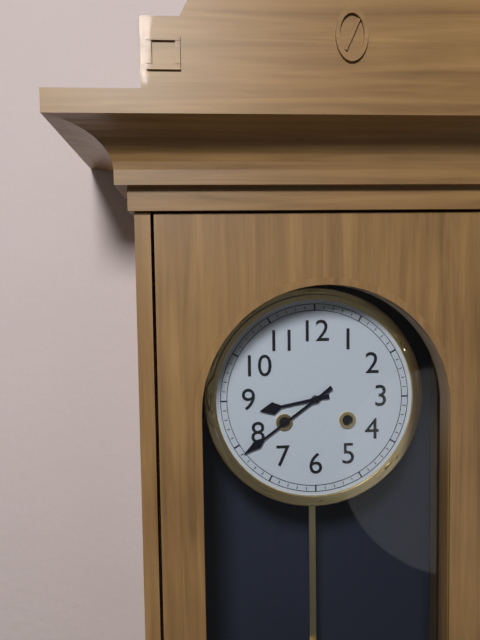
h=8 m=39
